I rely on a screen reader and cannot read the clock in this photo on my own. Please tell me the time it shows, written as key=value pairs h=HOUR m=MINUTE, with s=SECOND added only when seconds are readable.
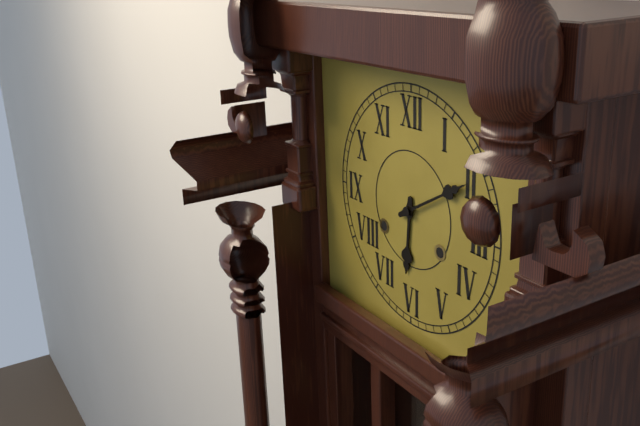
h=6 m=10
